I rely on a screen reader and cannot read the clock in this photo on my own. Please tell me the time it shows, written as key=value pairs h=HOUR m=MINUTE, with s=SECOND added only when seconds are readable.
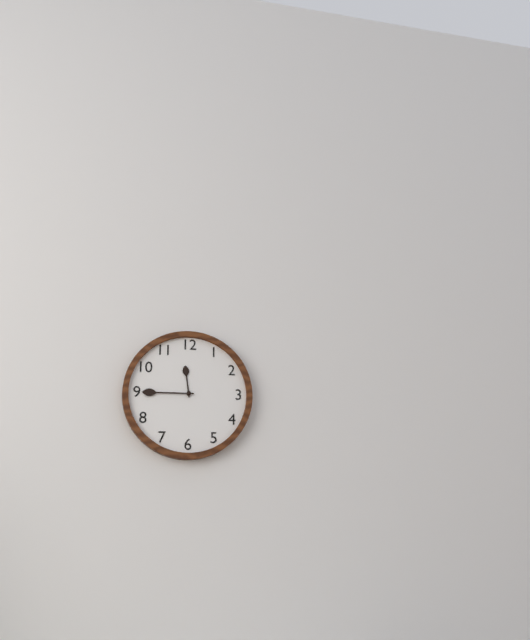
h=11 m=45
